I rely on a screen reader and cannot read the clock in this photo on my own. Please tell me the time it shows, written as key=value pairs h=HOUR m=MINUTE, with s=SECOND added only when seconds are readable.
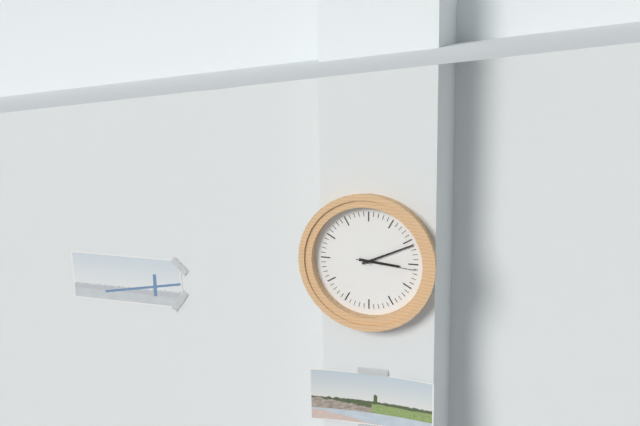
h=3 m=11 s=16
